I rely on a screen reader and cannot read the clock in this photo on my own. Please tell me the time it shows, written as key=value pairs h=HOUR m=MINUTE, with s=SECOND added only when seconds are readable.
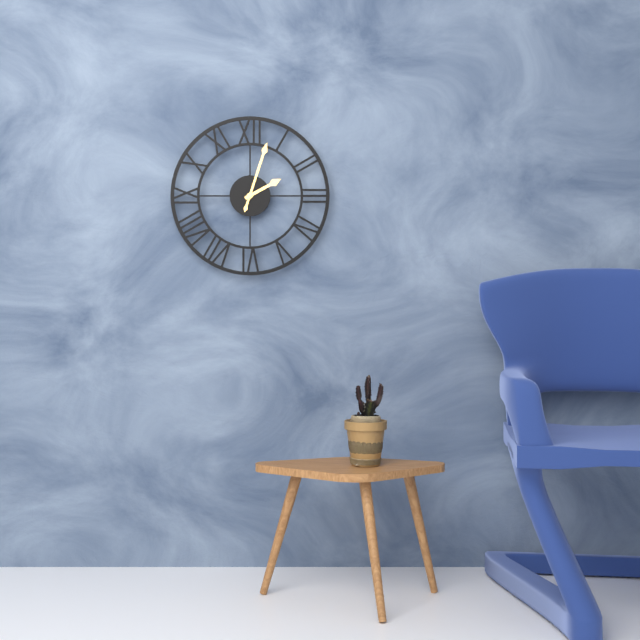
h=2 m=3
